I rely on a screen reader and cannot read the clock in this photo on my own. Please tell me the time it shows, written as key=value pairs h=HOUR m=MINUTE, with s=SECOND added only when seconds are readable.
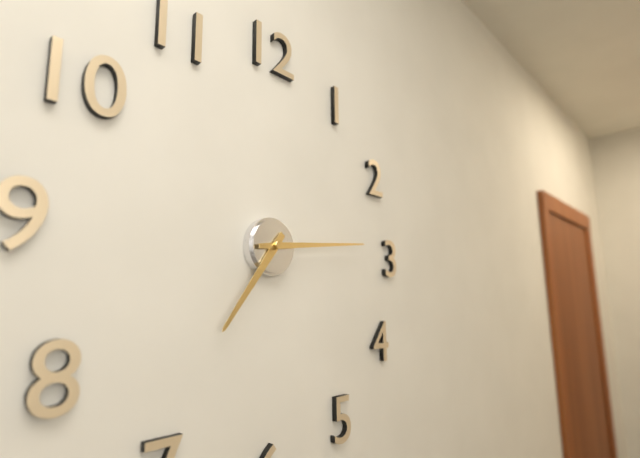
h=7 m=14
